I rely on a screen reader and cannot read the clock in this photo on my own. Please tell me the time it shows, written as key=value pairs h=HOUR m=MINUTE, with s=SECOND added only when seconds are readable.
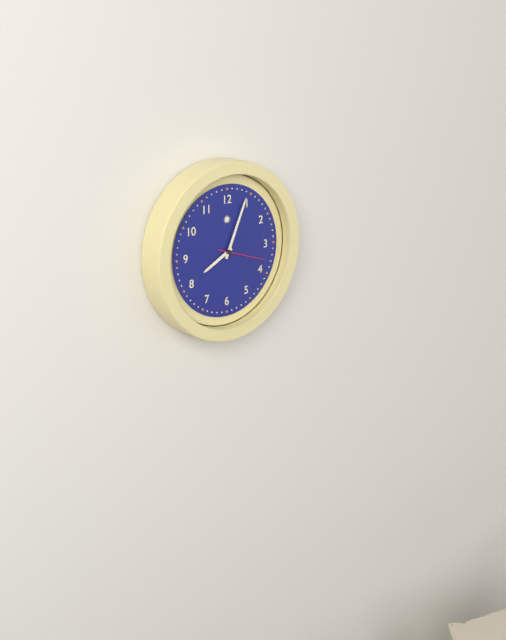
h=8 m=4 s=18
